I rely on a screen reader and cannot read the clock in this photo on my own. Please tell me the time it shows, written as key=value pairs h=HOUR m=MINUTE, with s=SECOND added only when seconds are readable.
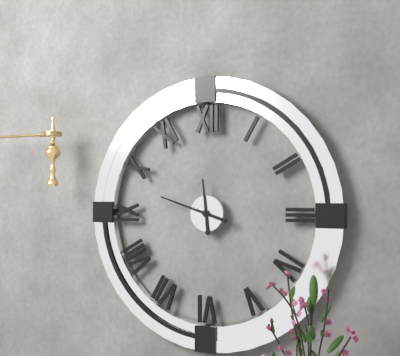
h=11 m=48
